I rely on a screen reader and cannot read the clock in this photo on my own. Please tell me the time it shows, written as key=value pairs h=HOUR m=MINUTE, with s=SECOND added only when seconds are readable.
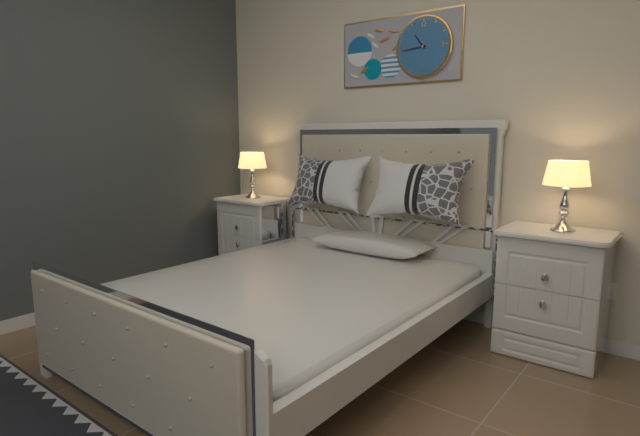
h=10 m=44
